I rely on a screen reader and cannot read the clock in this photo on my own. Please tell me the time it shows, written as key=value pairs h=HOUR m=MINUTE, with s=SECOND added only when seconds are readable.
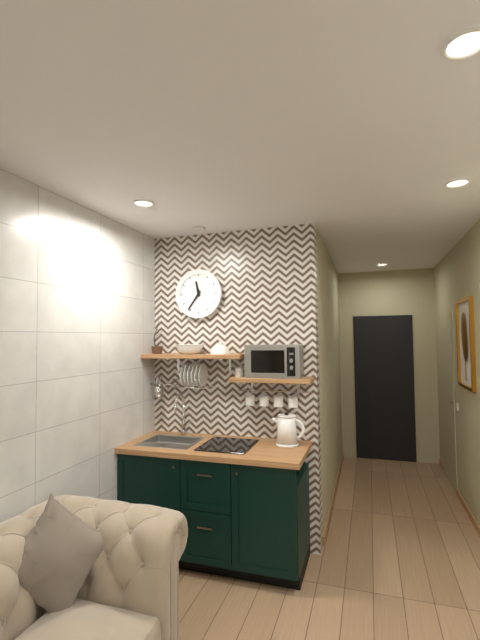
h=11 m=36
